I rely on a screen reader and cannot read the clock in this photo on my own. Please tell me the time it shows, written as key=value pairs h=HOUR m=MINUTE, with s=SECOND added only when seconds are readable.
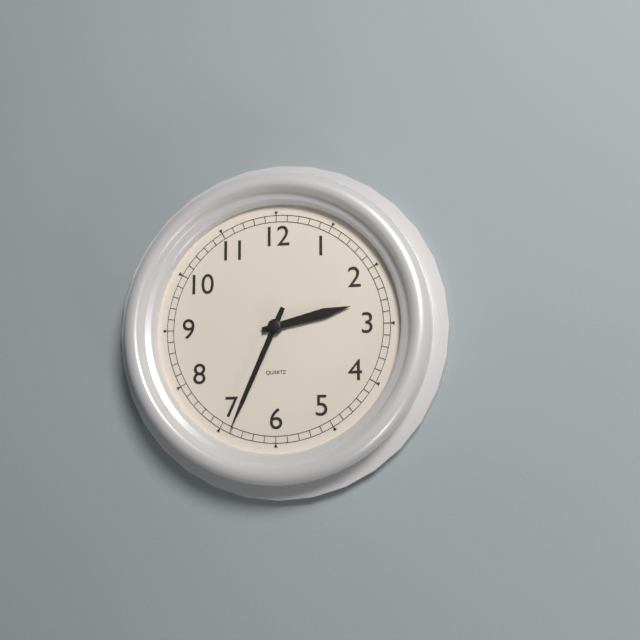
h=2 m=34
